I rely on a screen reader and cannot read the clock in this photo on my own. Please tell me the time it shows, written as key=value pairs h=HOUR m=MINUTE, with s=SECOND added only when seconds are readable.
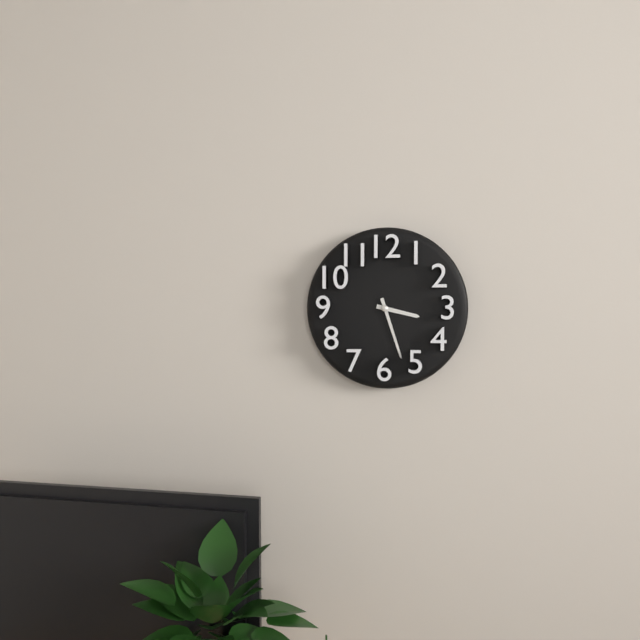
h=3 m=27
